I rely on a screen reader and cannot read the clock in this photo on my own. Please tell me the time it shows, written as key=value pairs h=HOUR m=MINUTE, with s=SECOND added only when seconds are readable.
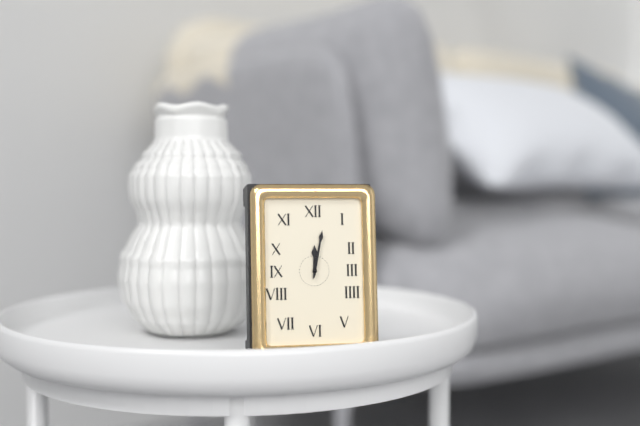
h=12 m=2
